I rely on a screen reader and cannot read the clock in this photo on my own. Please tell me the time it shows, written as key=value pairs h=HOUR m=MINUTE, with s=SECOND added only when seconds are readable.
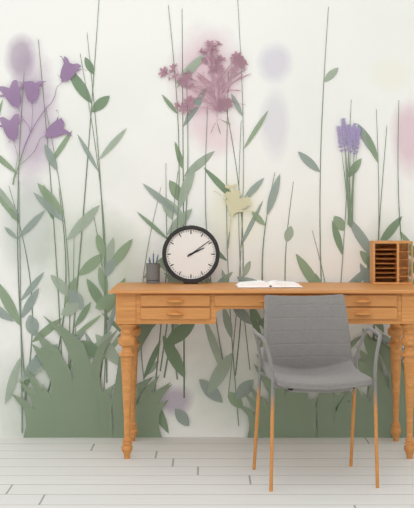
h=2 m=9
